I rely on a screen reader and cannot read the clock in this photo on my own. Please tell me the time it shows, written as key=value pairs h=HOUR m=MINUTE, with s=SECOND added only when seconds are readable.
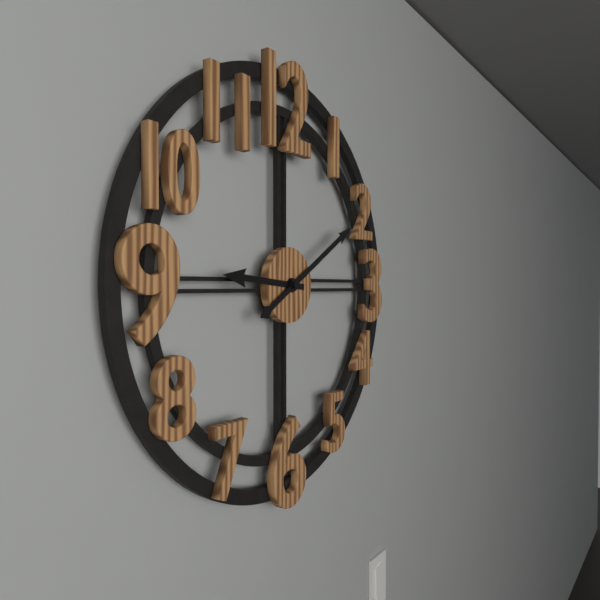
h=9 m=10
